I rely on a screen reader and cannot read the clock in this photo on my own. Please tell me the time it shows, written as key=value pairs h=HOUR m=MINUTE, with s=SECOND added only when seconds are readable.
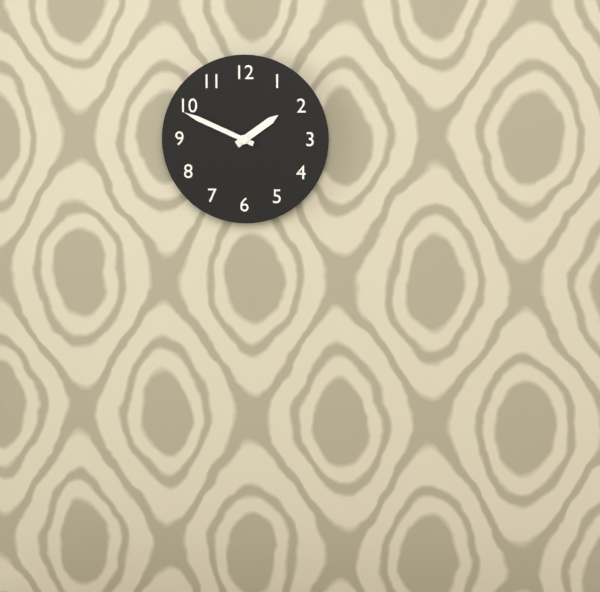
h=1 m=49
